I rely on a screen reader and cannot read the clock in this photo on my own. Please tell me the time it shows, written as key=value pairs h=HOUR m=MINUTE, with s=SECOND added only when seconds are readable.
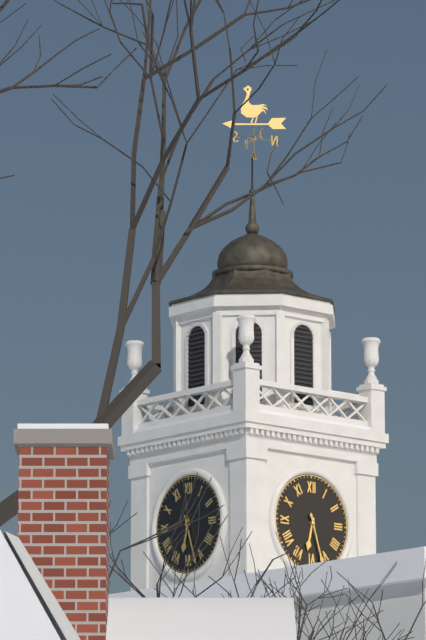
h=6 m=27
